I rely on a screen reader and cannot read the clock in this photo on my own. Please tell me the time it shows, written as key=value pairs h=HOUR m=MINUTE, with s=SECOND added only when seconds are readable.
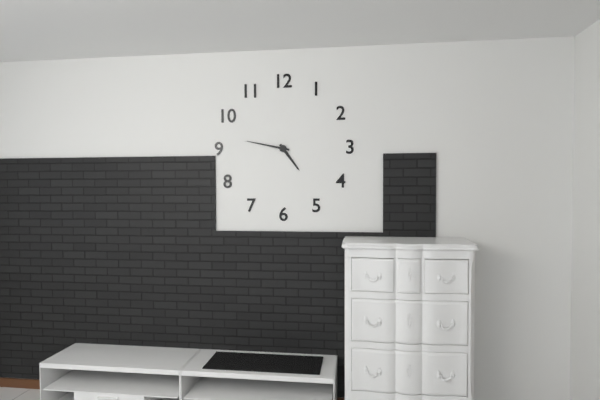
h=4 m=47
